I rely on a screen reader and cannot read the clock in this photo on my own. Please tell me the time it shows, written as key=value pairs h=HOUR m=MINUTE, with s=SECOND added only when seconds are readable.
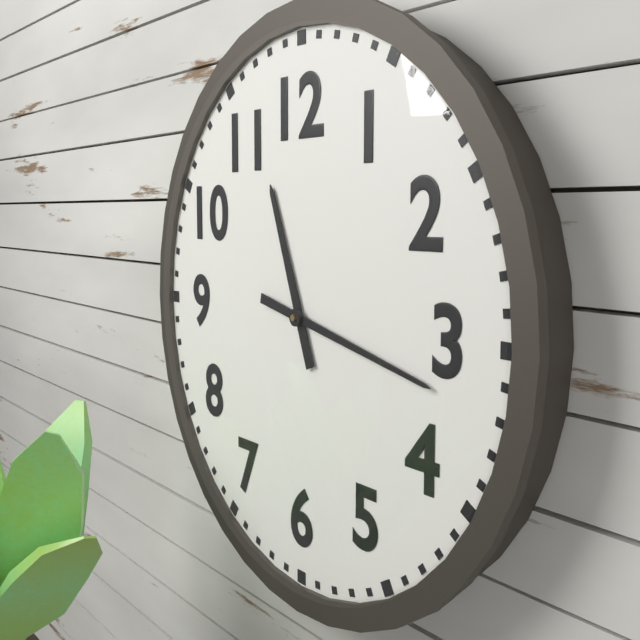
h=11 m=17
